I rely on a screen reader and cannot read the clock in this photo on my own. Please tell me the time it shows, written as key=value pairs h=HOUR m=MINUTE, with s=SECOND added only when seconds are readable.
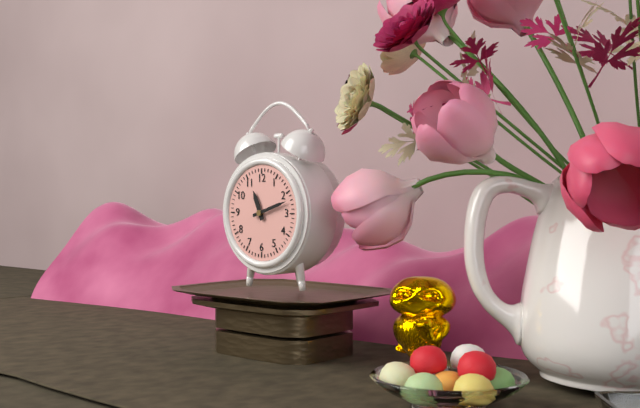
h=11 m=12
